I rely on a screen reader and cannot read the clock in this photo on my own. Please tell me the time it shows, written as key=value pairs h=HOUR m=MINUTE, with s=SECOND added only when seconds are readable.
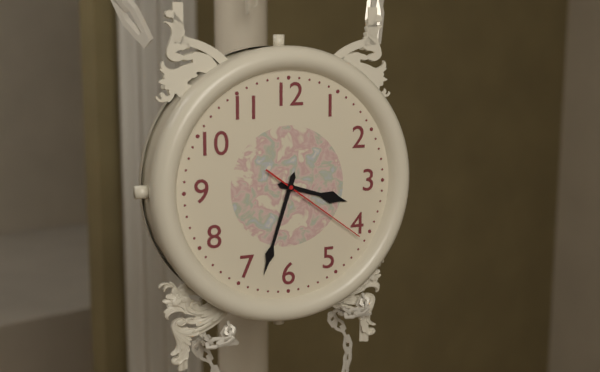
h=3 m=33 s=21
